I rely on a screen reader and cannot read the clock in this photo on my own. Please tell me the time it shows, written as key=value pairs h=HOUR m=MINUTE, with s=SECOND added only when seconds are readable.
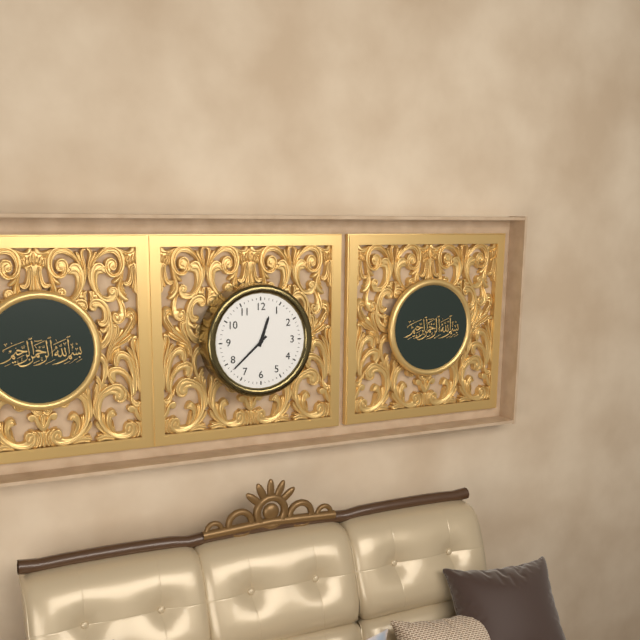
h=12 m=38
